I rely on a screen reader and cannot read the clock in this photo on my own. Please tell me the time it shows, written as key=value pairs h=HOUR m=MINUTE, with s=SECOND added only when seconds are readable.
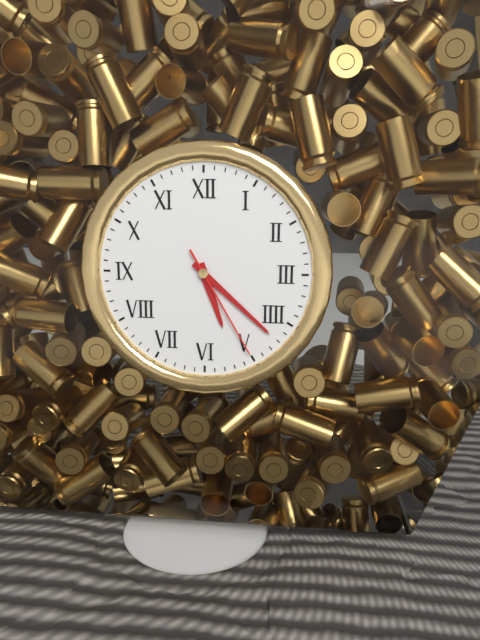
h=5 m=22 s=25
